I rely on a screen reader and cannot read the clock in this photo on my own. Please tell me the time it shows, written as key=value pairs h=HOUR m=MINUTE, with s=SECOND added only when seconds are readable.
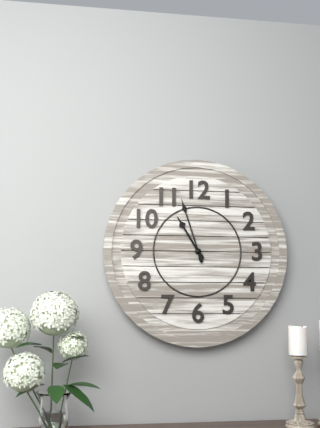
h=10 m=57
